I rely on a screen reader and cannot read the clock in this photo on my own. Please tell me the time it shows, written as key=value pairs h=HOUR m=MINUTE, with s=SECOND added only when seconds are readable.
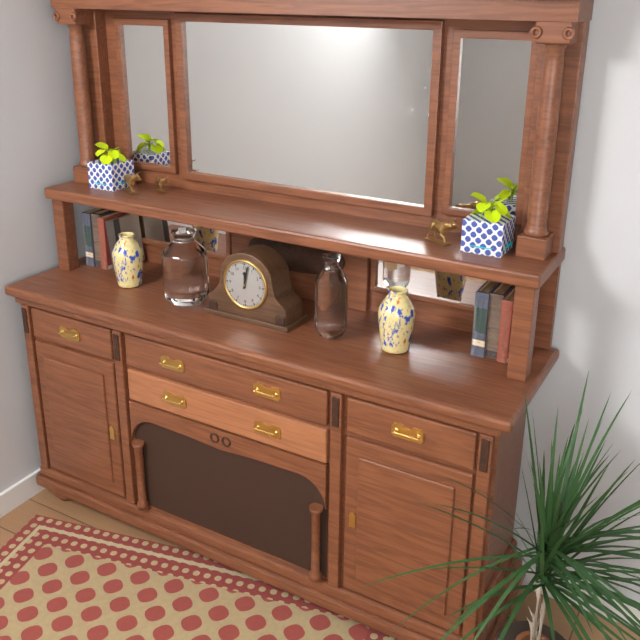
h=12 m=2
